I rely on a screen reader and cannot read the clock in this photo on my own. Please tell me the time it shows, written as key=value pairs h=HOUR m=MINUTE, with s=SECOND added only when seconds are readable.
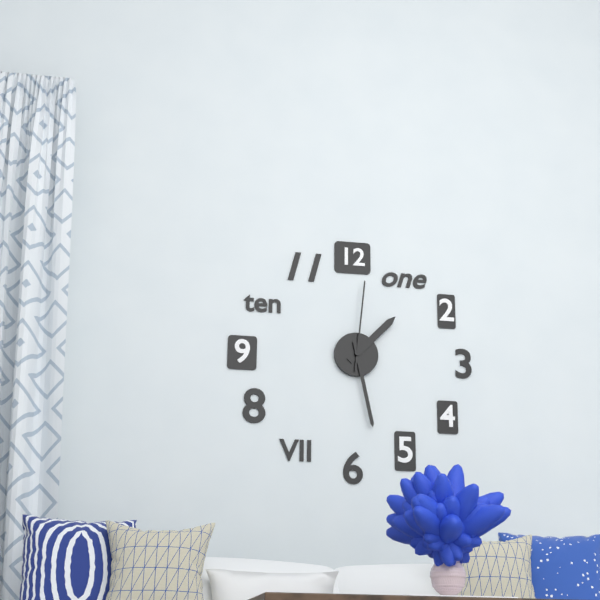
h=1 m=28 s=1
